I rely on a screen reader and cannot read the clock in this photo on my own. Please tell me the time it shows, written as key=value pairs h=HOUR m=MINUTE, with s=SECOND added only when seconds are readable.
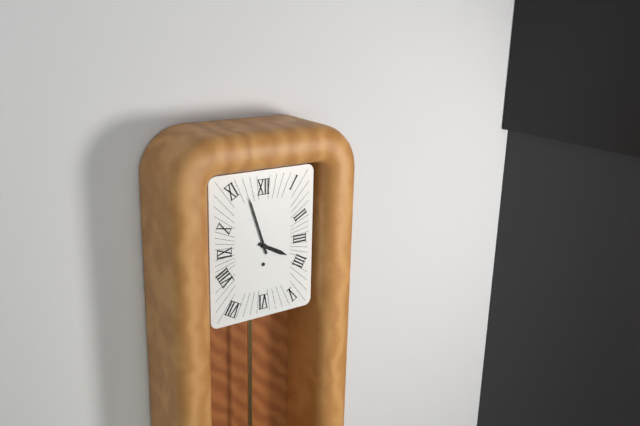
h=3 m=57
